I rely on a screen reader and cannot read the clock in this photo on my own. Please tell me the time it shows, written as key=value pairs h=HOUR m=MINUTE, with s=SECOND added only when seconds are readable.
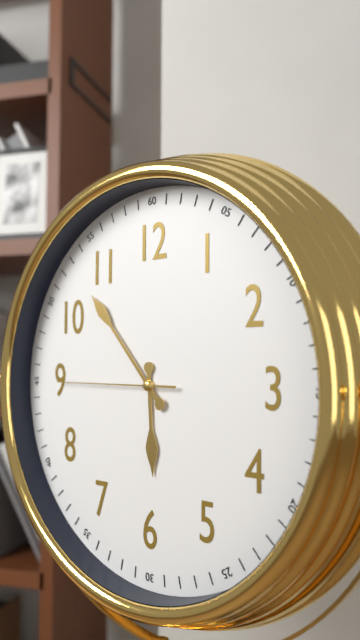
h=5 m=53 s=45
